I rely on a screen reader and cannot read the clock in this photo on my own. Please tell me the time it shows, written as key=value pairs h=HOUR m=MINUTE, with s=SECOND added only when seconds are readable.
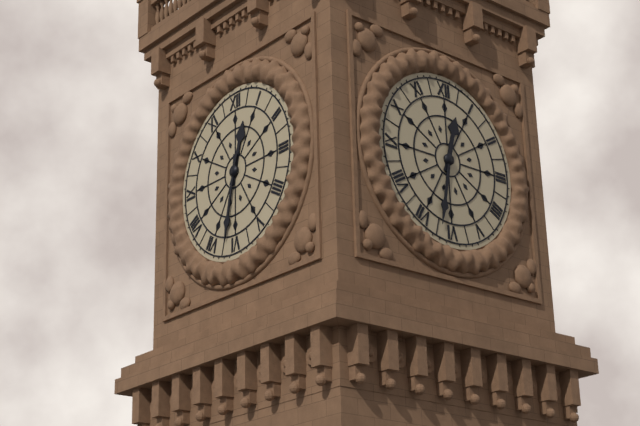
h=12 m=32
